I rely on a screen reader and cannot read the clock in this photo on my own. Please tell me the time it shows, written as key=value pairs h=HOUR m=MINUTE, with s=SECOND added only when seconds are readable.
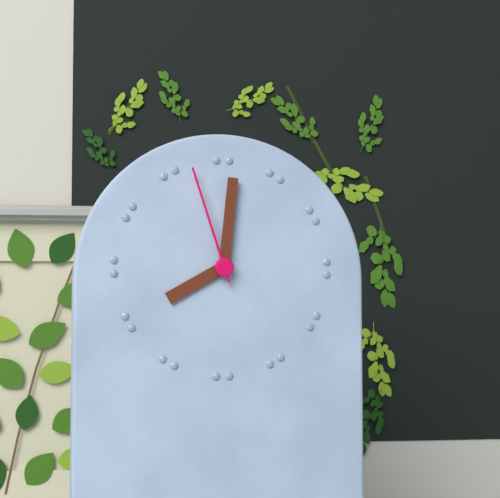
h=8 m=1 s=57
